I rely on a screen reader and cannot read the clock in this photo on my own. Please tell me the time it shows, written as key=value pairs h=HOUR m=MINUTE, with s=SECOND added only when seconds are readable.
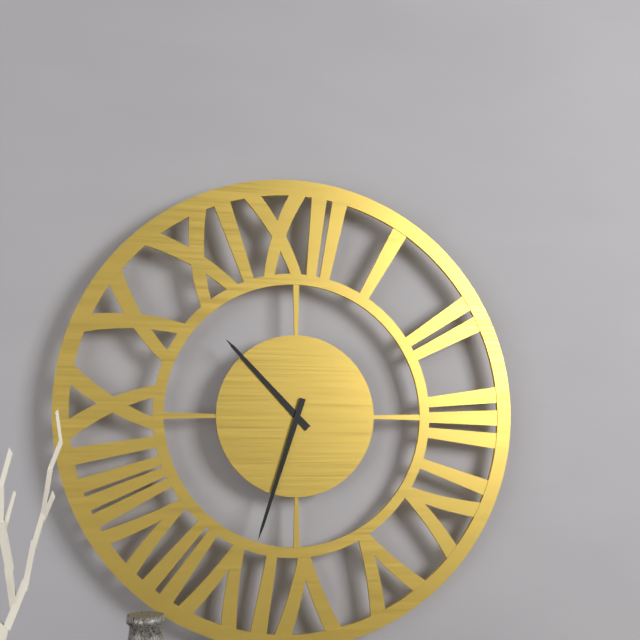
h=10 m=33
